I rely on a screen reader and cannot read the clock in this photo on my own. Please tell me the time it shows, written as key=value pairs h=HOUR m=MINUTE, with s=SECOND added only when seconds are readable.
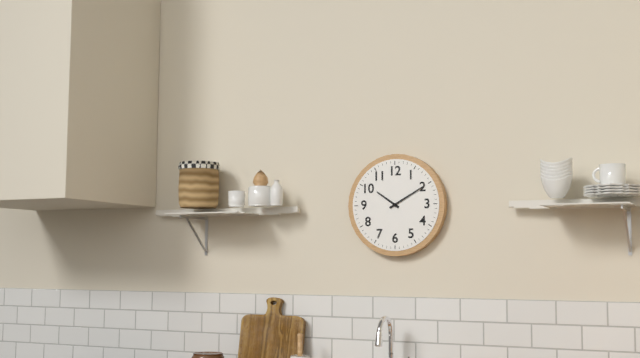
h=10 m=10
